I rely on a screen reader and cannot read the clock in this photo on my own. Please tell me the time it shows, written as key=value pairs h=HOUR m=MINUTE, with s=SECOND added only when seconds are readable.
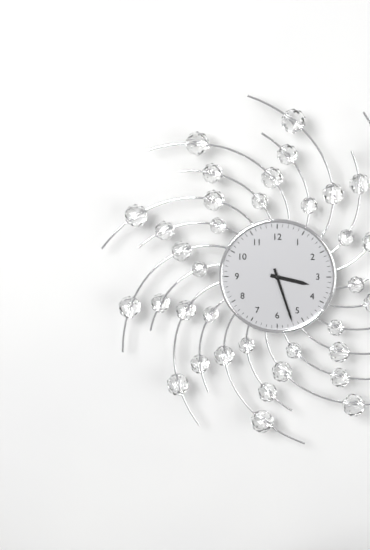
h=3 m=27
